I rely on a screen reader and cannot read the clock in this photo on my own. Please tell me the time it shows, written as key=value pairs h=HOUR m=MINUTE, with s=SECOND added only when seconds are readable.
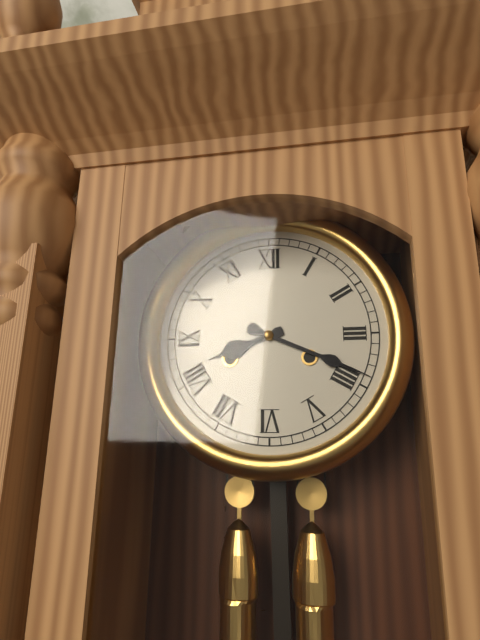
h=8 m=19
